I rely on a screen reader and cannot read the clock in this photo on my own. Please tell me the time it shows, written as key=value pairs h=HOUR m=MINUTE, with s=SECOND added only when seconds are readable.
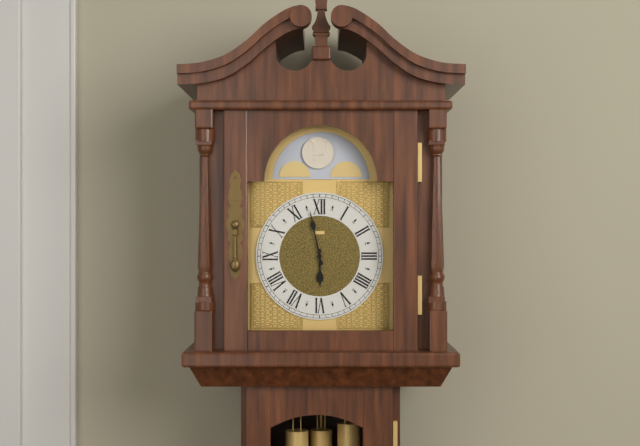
h=5 m=58
